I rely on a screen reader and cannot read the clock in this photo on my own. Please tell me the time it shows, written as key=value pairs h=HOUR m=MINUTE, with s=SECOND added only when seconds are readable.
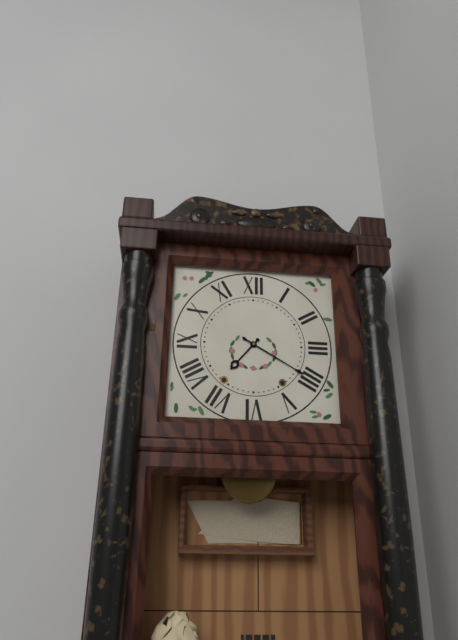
h=7 m=20
